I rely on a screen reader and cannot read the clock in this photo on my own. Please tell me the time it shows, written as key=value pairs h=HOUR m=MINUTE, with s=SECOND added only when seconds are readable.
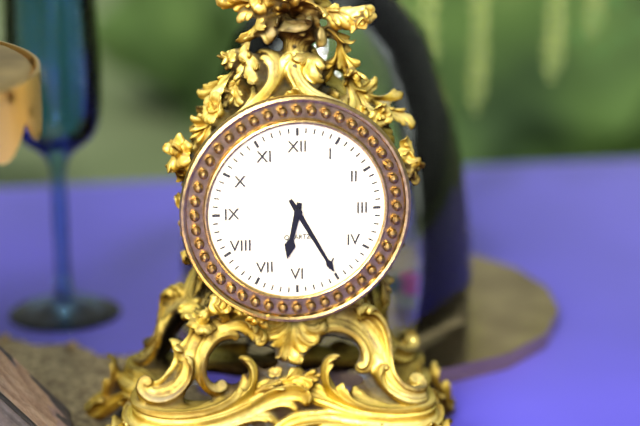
h=6 m=25
